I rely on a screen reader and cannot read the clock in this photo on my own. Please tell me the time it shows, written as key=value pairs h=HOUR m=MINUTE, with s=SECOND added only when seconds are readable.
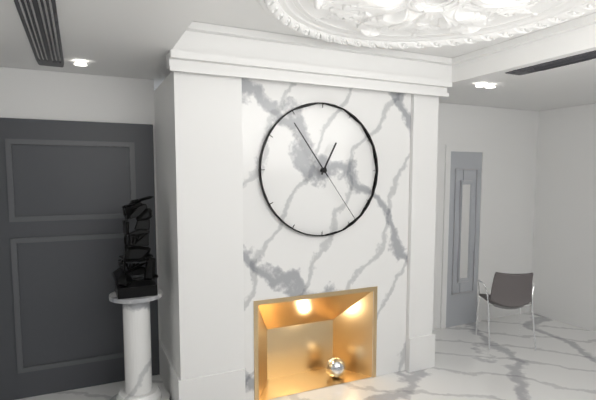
h=12 m=54 s=24
